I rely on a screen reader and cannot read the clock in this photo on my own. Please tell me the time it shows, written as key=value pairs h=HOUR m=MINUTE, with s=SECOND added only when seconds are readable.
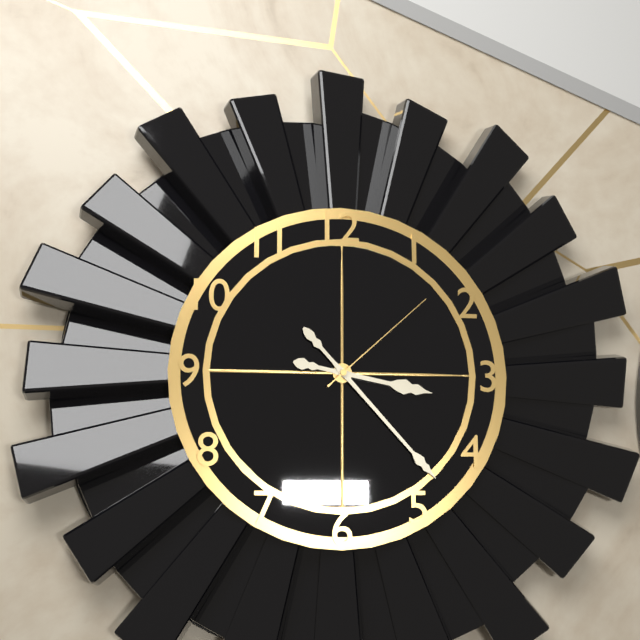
h=3 m=23 s=8
